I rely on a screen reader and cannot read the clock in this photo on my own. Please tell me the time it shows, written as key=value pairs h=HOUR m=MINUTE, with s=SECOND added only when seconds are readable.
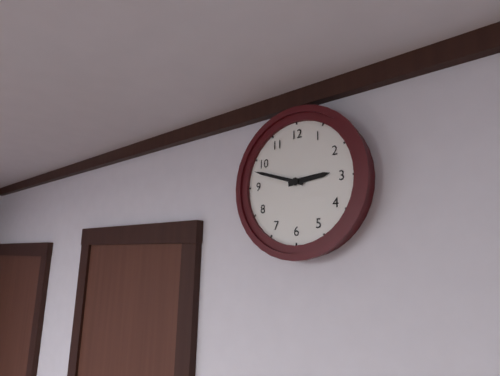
h=2 m=48
